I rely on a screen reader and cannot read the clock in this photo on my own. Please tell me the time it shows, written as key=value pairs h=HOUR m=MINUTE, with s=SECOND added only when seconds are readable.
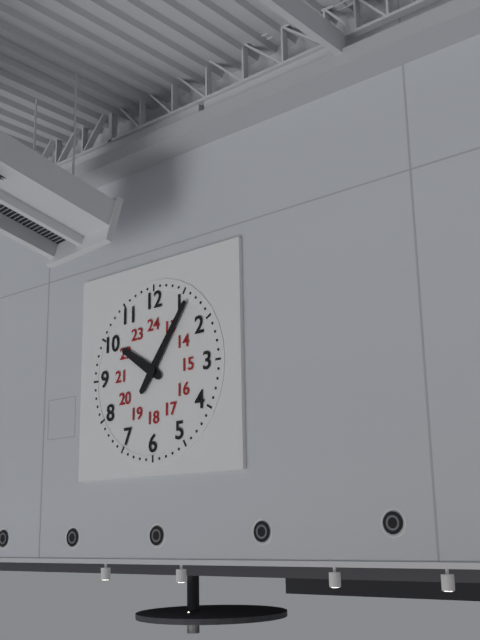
h=10 m=6
